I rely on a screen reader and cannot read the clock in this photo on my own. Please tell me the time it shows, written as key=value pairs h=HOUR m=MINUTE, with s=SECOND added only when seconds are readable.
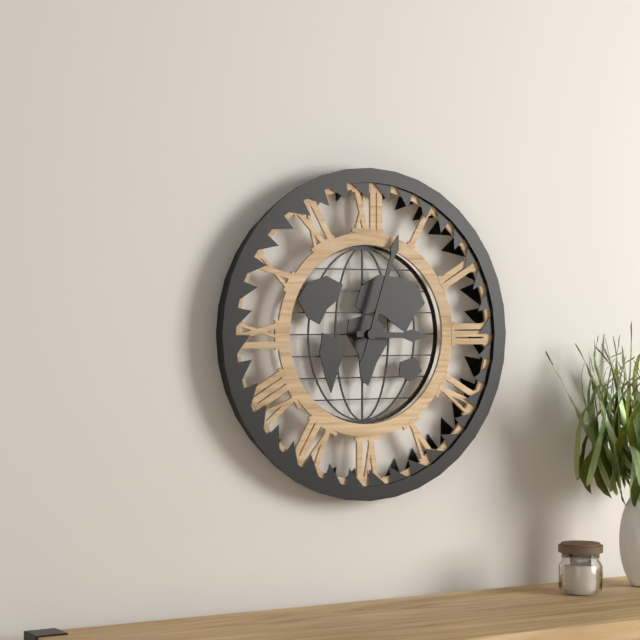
h=3 m=3
